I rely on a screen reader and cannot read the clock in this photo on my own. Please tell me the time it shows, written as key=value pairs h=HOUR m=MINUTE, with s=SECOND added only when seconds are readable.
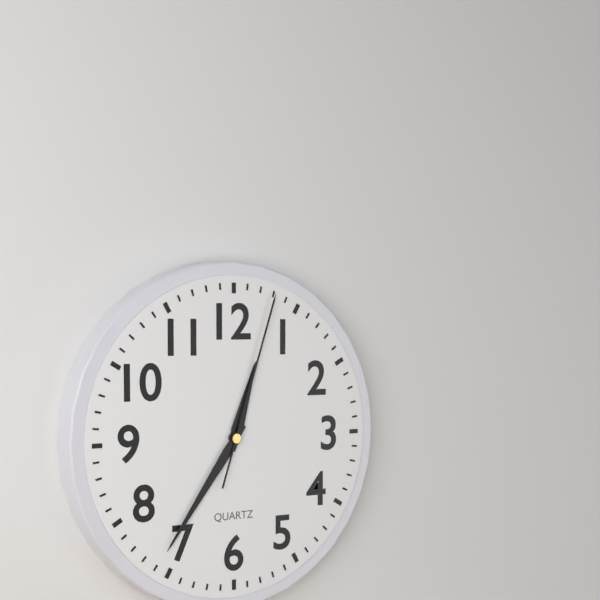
h=12 m=36 s=3
